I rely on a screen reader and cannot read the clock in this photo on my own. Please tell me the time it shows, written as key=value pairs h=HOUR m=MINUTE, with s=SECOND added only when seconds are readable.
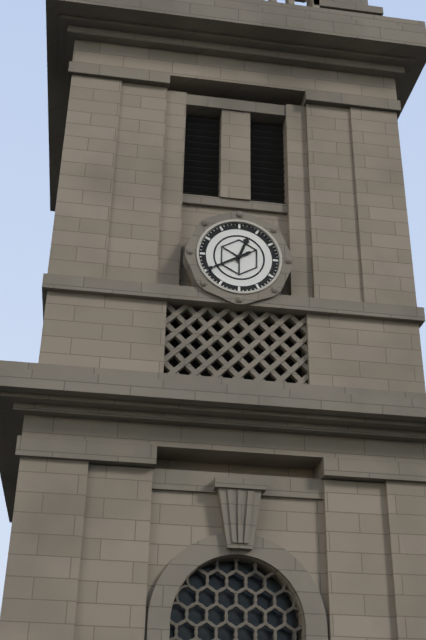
h=12 m=40
